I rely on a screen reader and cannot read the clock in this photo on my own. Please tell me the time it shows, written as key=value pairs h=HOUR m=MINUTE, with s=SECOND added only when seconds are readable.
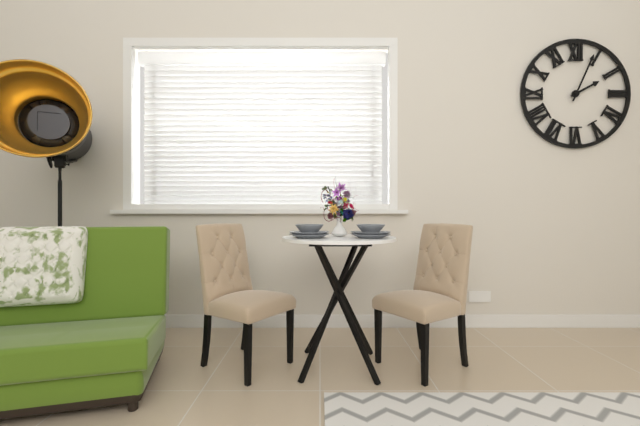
h=2 m=4
